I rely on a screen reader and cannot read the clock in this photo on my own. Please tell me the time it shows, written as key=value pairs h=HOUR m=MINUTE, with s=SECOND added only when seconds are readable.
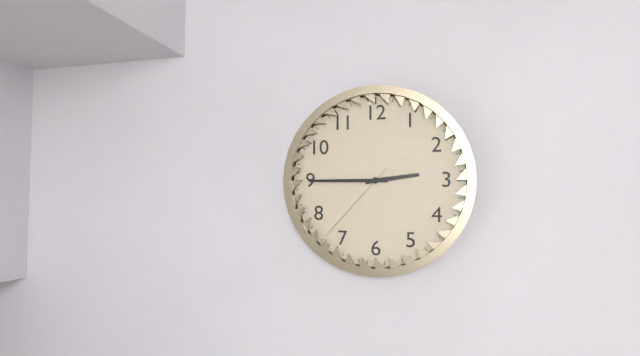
h=2 m=45 s=37
